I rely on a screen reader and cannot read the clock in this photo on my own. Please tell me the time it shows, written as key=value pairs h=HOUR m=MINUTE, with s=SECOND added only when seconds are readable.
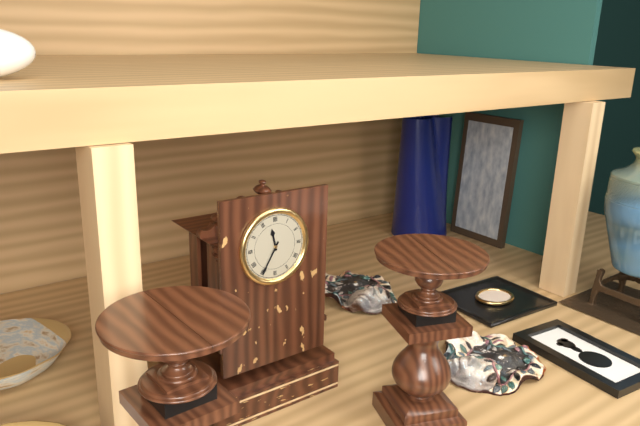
h=11 m=35
